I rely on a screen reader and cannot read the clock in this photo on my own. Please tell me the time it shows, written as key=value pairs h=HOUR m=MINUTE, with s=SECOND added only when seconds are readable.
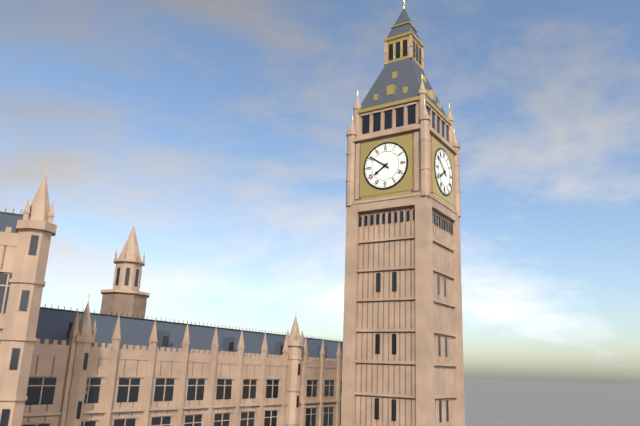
h=7 m=51
